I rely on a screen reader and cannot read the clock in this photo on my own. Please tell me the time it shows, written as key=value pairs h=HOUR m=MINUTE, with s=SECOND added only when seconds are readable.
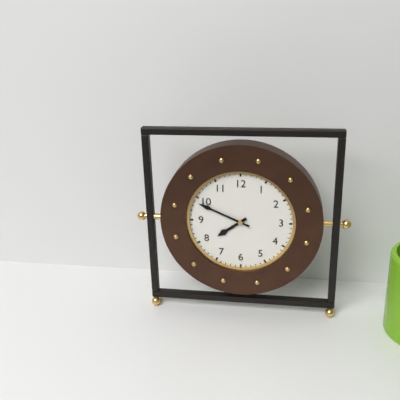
h=7 m=49
